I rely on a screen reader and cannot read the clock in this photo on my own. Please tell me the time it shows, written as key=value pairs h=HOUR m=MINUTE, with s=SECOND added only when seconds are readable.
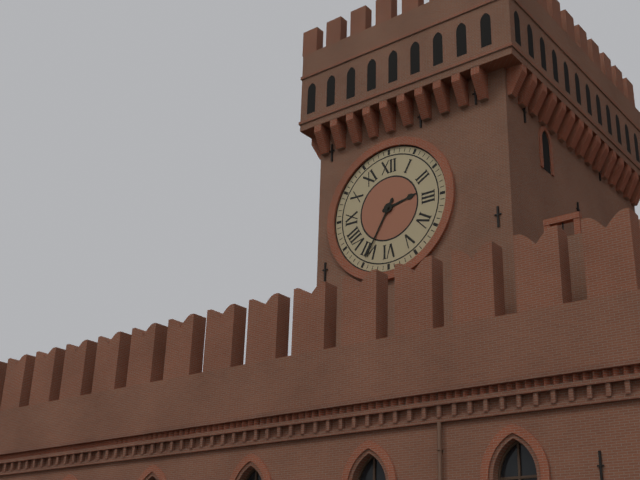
h=2 m=35
